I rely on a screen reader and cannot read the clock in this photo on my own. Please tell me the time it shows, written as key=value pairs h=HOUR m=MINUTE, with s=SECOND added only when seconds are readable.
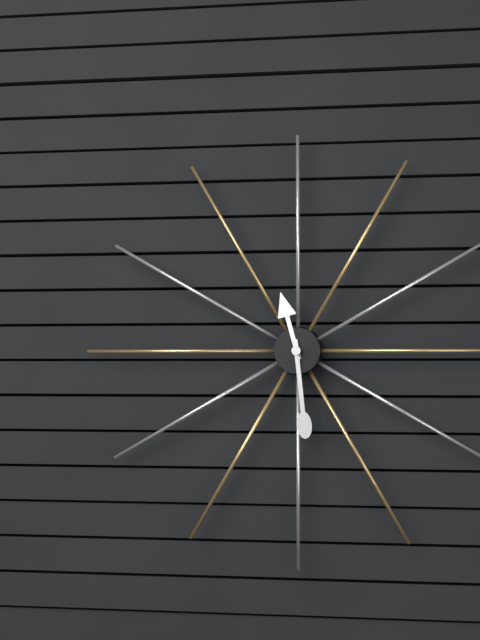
h=11 m=29
